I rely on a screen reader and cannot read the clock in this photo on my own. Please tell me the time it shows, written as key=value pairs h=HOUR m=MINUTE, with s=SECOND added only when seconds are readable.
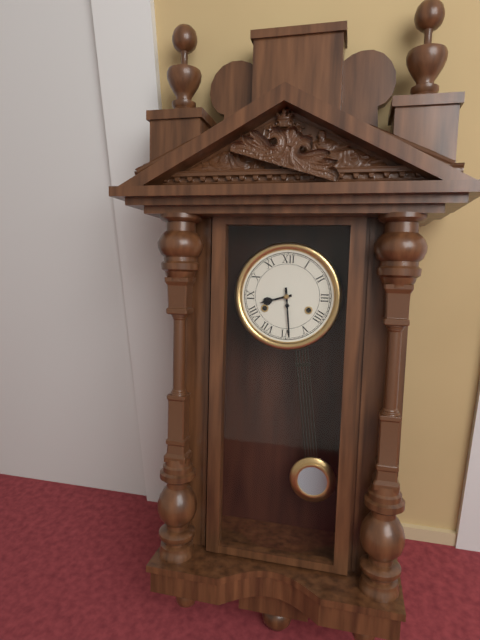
h=8 m=29
